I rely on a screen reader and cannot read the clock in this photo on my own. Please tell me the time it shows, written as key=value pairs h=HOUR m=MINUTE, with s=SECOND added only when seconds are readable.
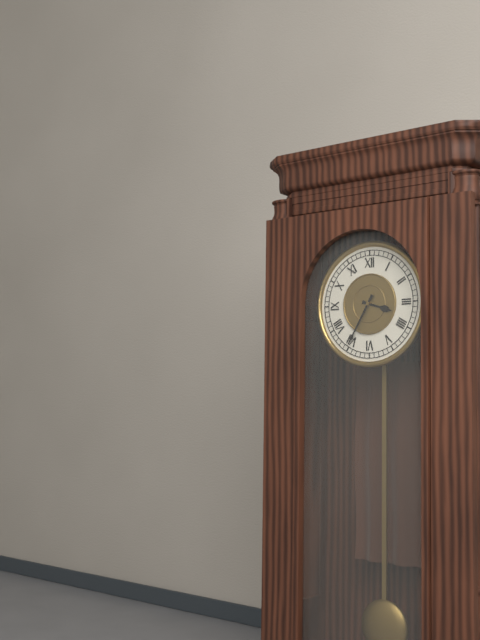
h=3 m=35
